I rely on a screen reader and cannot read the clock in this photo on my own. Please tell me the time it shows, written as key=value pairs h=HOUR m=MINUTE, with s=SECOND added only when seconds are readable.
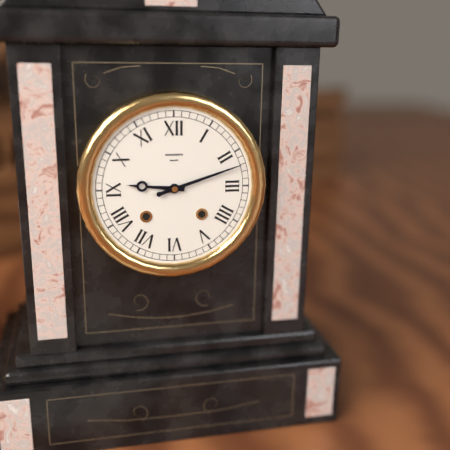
h=9 m=12
